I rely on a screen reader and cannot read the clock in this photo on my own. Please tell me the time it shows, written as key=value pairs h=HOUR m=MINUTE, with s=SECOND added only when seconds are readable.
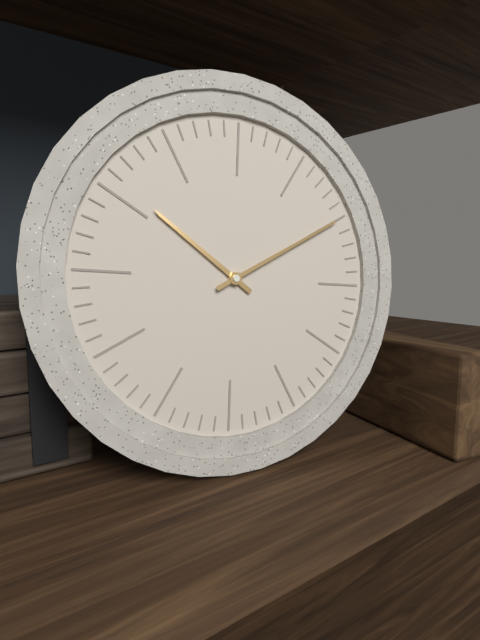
h=10 m=10
